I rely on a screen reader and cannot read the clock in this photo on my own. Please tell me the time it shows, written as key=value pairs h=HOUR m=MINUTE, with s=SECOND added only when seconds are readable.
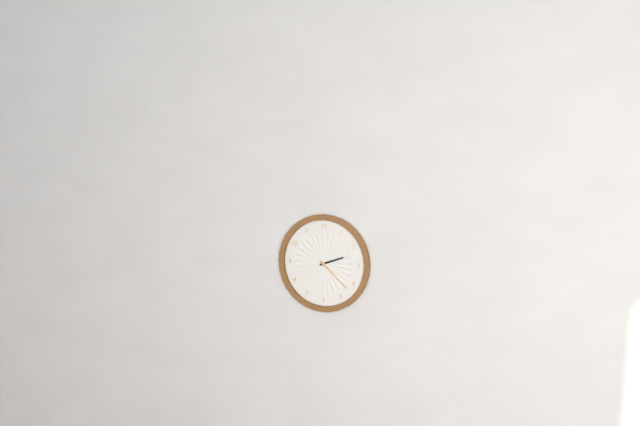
h=2 m=22
